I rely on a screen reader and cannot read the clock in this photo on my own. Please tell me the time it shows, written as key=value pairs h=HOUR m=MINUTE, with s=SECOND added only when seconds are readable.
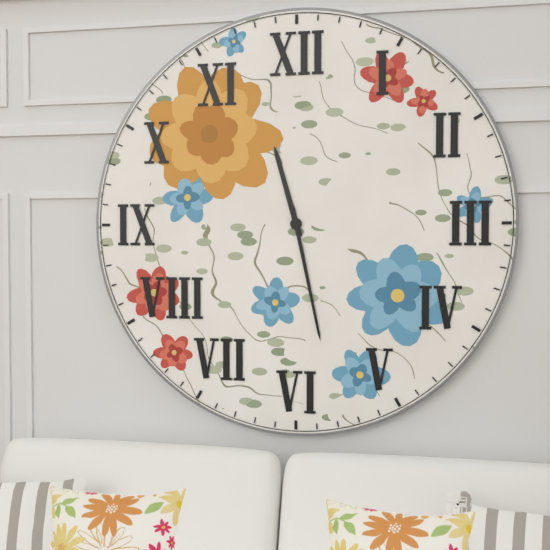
h=11 m=28
